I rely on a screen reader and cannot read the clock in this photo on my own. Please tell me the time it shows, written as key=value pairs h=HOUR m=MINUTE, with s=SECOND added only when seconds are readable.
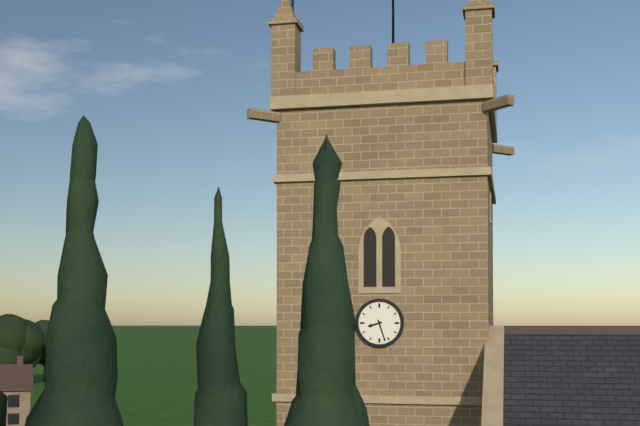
h=8 m=27
